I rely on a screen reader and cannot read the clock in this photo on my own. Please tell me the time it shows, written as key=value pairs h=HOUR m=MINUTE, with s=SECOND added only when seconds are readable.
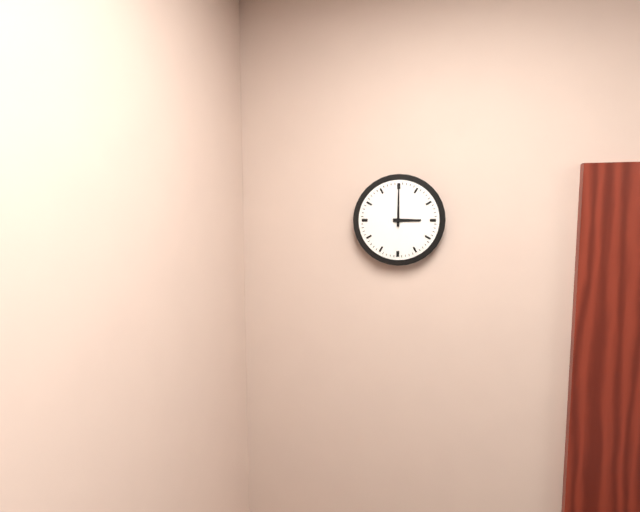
h=3 m=0
